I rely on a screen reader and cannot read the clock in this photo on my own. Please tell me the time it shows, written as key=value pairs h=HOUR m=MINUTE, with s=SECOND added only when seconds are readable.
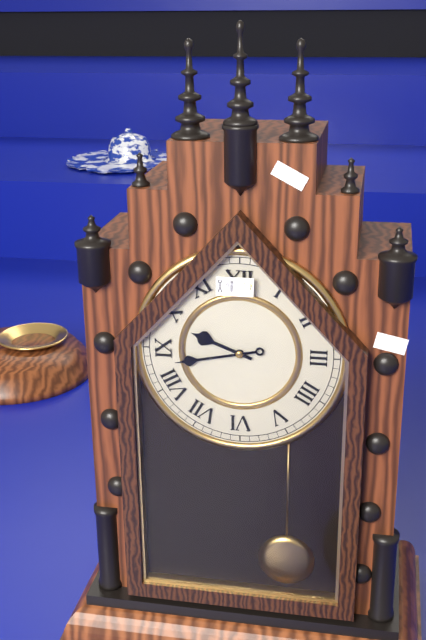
h=9 m=43
